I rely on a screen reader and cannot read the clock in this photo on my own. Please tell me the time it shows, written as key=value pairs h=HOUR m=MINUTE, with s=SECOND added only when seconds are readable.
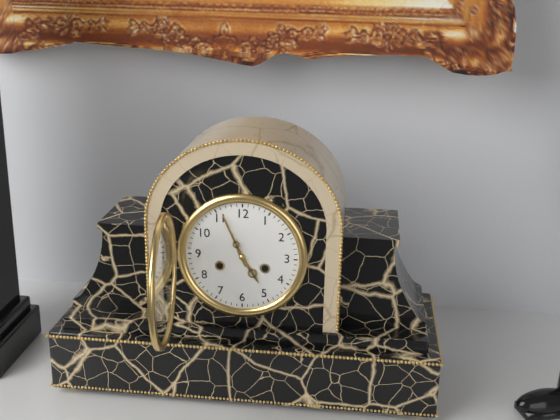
h=4 m=56
